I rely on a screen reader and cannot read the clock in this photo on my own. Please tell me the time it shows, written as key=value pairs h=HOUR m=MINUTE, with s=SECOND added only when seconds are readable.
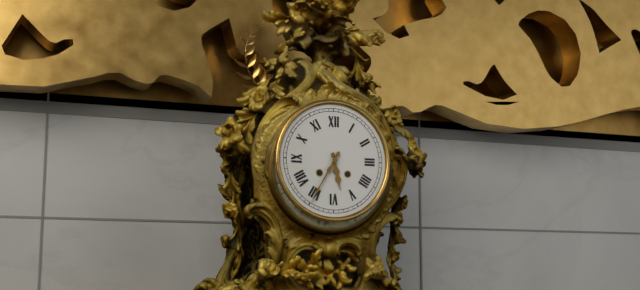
h=5 m=35
